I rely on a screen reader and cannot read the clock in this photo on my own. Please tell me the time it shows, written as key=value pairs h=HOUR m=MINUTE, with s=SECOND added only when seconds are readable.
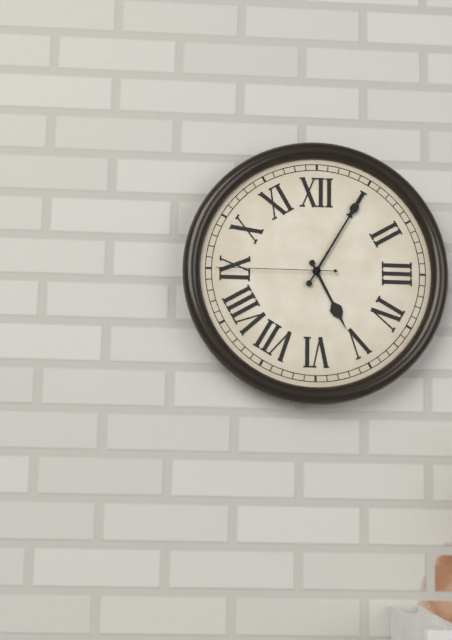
h=5 m=5 s=45
